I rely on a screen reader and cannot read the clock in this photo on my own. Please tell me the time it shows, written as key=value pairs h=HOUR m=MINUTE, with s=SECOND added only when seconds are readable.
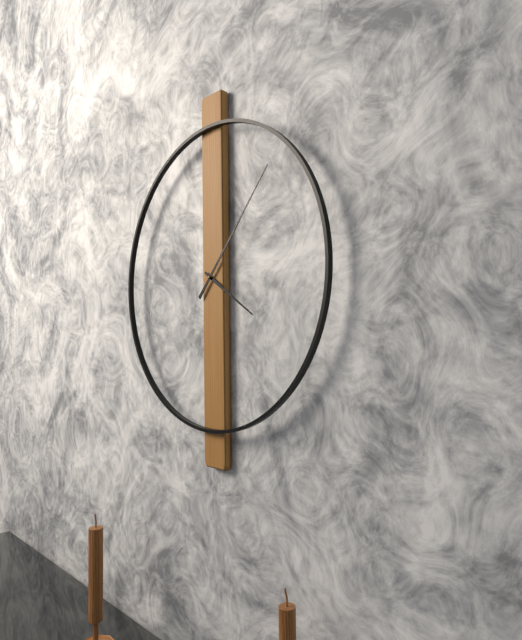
h=4 m=7
